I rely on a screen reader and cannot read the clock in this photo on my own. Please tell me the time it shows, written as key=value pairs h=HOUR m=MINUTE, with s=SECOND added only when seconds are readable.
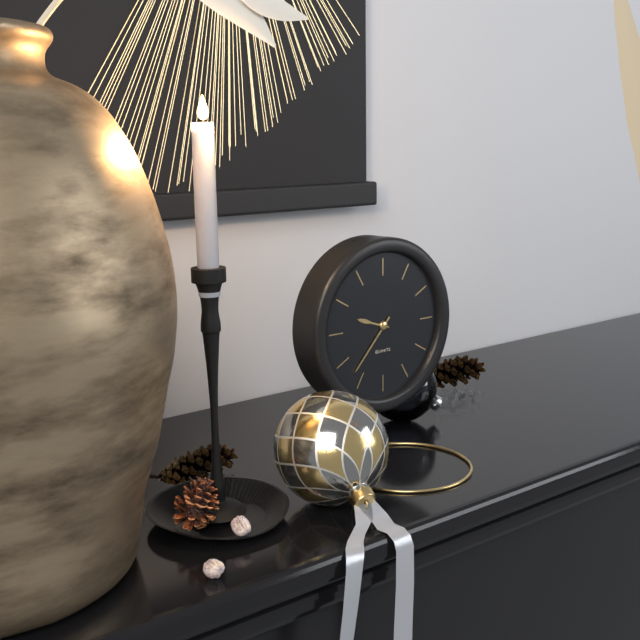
h=9 m=37
